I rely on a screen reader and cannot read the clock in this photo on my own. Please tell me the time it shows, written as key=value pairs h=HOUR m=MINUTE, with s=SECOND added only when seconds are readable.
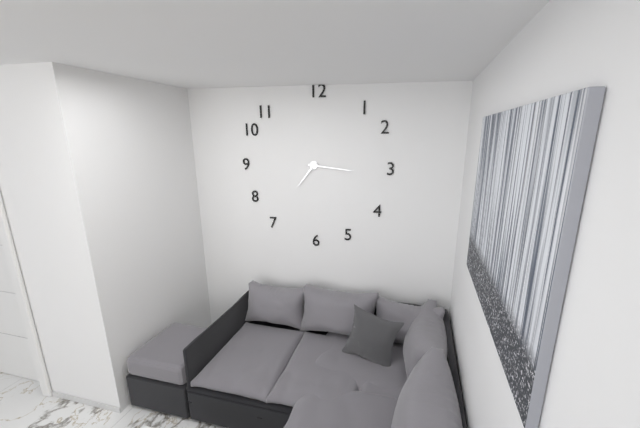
h=7 m=16
